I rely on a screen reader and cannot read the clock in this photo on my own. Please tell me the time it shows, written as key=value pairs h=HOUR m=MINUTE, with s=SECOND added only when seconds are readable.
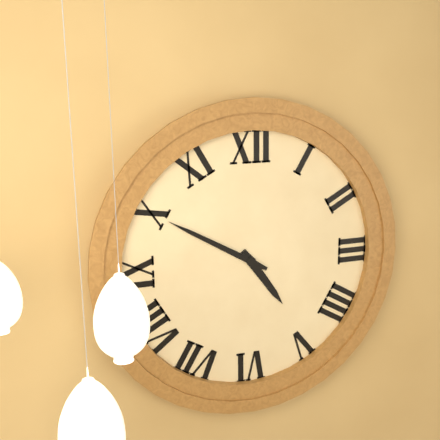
h=4 m=50
